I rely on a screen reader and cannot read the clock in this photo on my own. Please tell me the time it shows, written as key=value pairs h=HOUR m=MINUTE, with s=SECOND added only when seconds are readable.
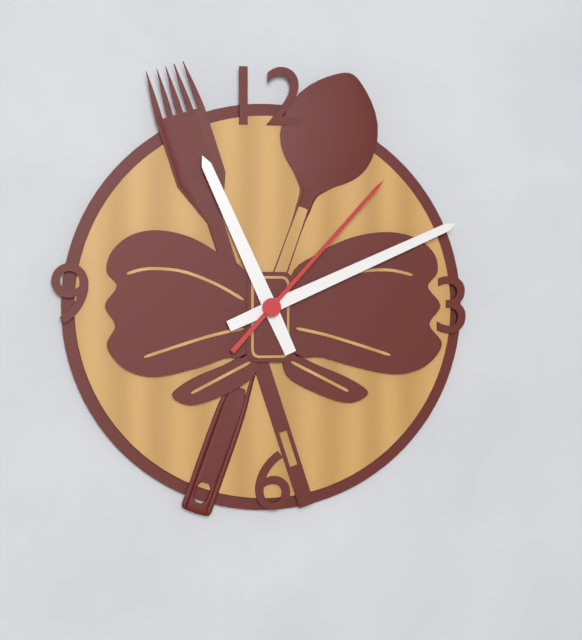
h=11 m=11 s=7
